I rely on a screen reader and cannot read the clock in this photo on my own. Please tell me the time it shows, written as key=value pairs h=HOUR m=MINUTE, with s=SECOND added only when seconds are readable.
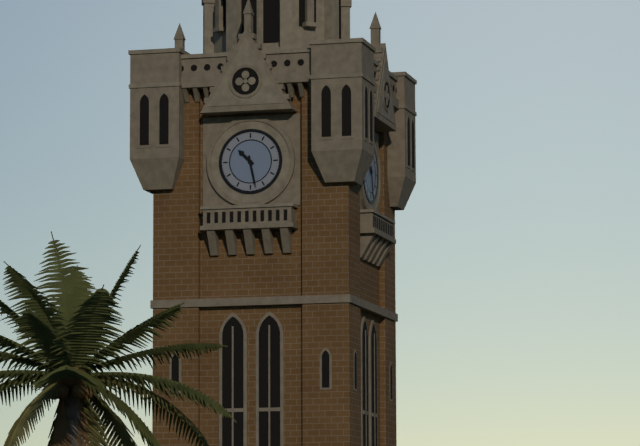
h=10 m=28
